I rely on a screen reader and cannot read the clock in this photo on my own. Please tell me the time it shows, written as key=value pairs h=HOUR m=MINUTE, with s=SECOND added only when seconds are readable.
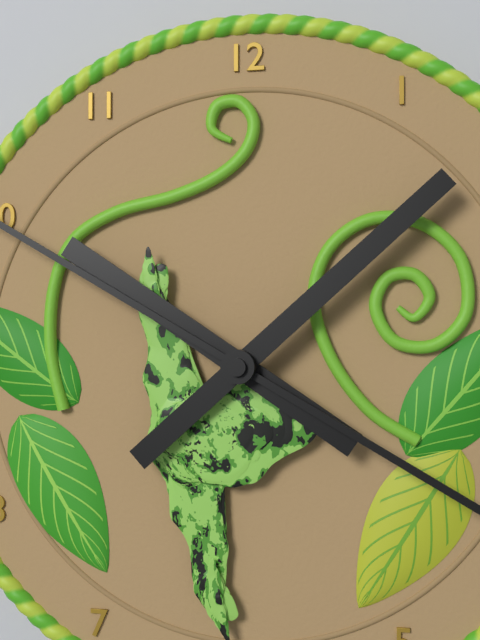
h=10 m=8
